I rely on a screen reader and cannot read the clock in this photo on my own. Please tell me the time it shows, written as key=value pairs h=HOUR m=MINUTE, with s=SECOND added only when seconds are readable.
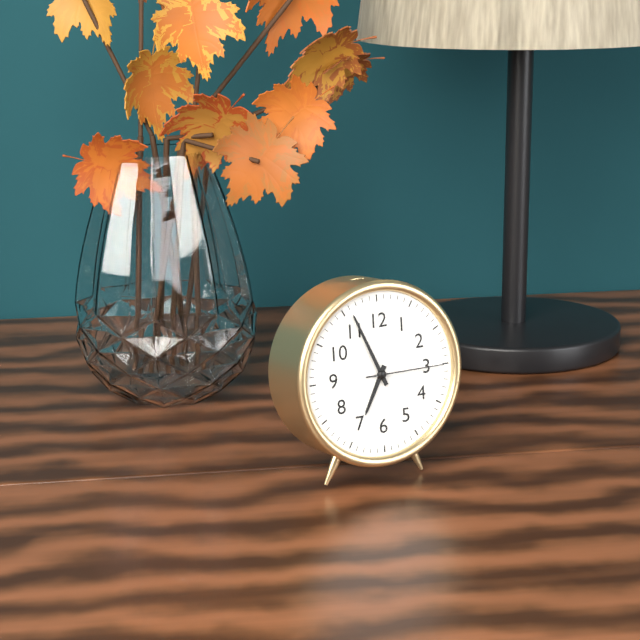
h=6 m=56 s=15
